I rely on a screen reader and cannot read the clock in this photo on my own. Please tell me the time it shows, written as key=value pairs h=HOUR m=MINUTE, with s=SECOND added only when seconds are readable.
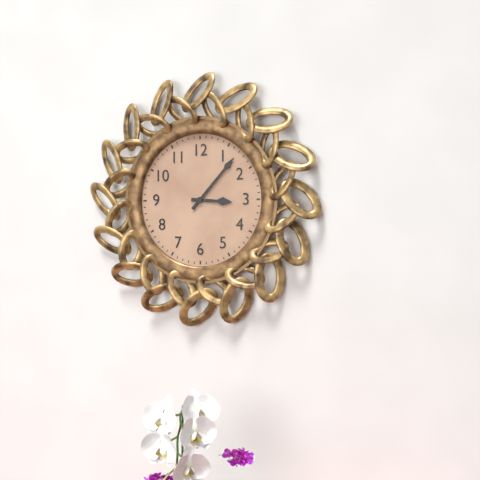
h=3 m=7
